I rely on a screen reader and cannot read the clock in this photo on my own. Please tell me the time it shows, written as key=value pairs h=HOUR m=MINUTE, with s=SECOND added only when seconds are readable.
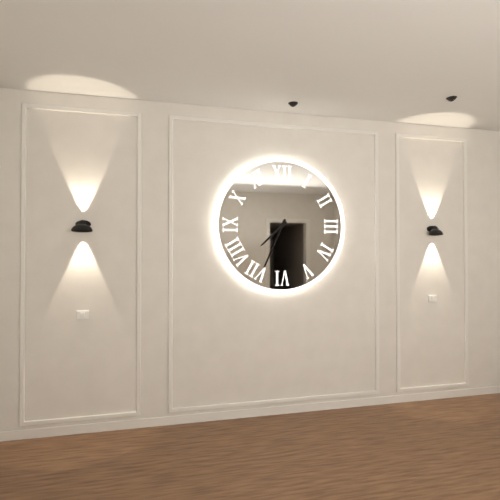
h=7 m=34
